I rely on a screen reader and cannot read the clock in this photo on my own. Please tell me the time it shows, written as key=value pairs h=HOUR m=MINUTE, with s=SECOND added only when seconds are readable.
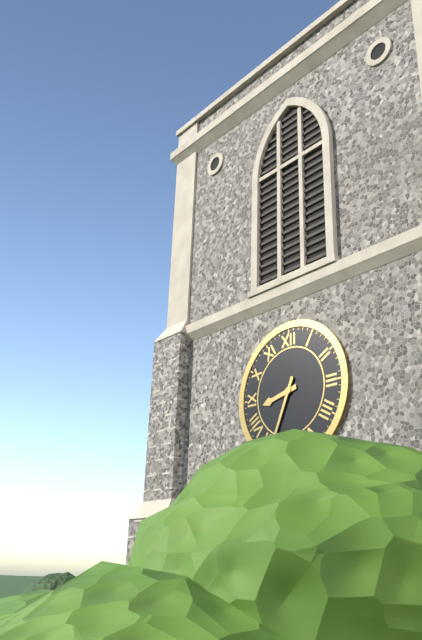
h=8 m=34
